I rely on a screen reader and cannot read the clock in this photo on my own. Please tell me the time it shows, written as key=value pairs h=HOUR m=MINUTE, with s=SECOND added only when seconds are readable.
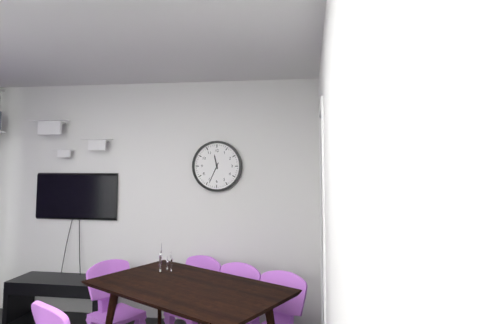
h=11 m=34
